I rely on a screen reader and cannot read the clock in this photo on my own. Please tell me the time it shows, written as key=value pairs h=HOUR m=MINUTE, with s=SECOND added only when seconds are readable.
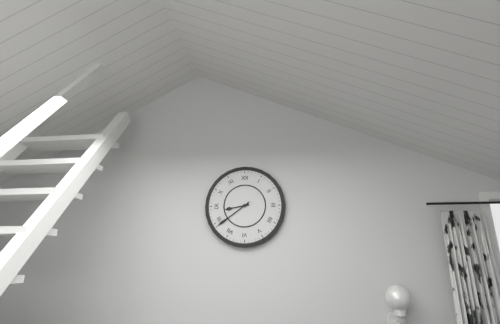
h=8 m=39
